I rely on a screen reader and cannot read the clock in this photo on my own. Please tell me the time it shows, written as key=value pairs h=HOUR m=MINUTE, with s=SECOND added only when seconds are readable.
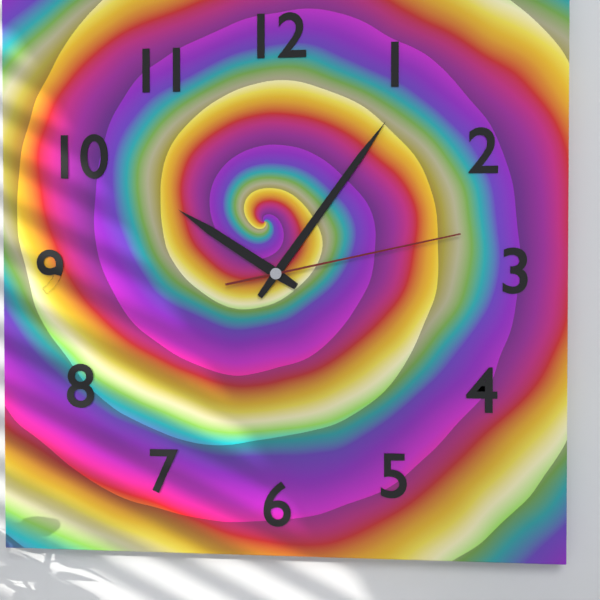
h=10 m=6 s=13
